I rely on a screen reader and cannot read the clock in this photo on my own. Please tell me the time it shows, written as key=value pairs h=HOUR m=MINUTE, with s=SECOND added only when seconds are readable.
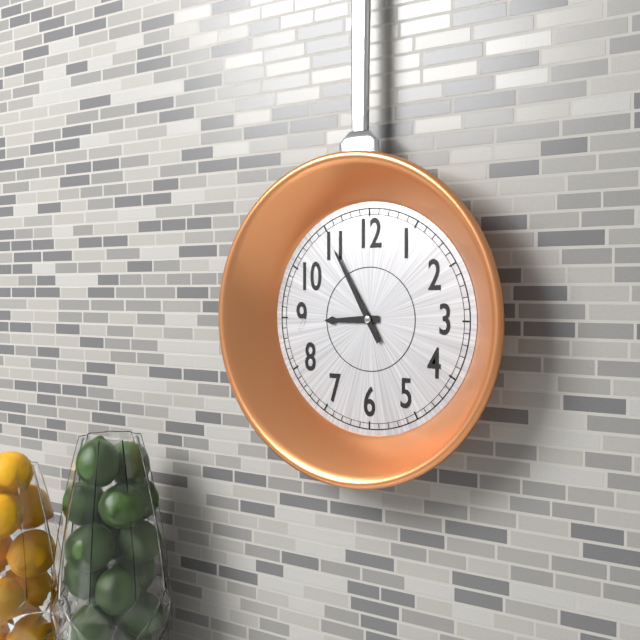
h=8 m=55
